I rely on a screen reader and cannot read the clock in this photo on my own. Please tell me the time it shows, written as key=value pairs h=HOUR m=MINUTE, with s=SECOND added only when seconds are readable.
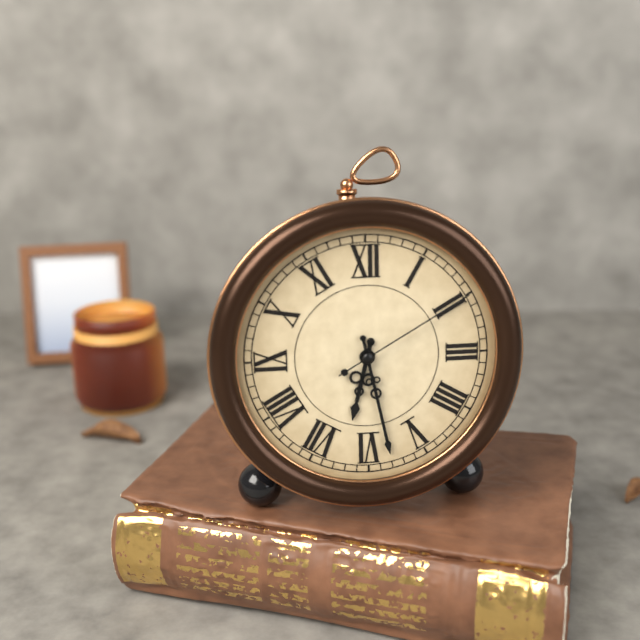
h=6 m=28 s=10
